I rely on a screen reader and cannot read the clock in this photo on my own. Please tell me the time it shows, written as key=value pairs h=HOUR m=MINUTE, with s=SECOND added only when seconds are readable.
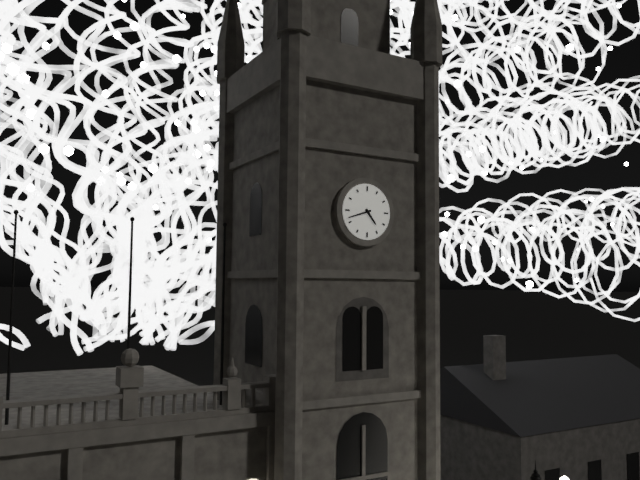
h=4 m=42
